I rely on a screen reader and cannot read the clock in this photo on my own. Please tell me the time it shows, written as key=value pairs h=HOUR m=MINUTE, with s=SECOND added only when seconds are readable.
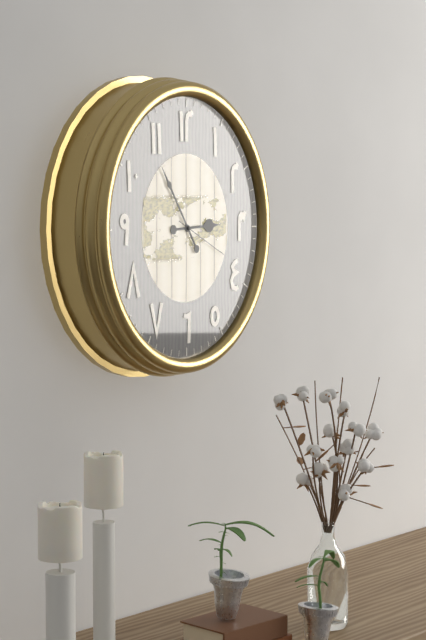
h=2 m=54 s=19
